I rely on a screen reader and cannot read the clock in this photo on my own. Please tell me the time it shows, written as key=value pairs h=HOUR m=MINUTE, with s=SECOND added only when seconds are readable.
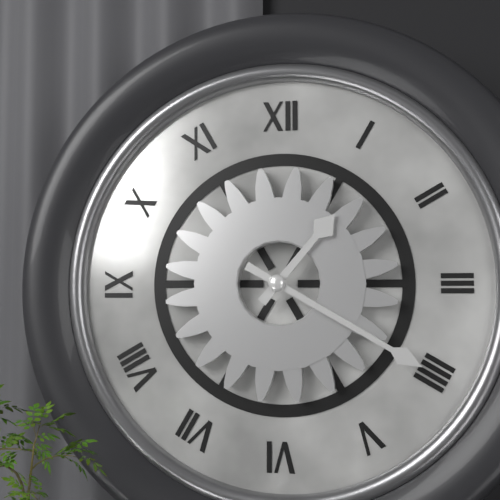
h=1 m=20
